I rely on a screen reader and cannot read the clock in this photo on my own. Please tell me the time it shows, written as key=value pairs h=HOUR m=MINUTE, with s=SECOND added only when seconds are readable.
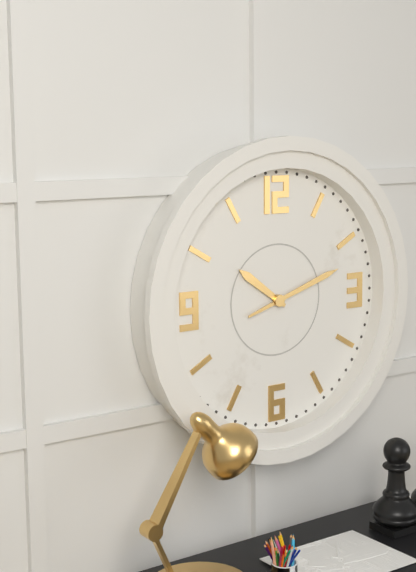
h=10 m=12
